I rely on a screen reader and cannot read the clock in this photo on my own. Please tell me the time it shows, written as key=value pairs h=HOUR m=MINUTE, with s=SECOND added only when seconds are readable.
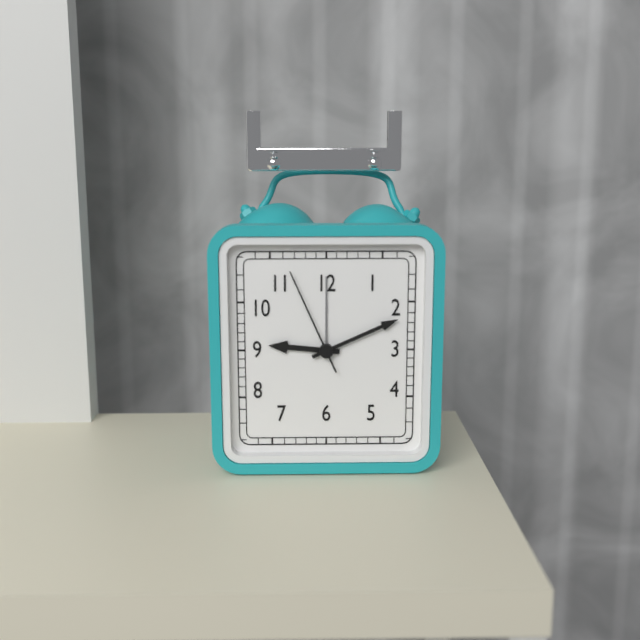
h=9 m=11 s=56
